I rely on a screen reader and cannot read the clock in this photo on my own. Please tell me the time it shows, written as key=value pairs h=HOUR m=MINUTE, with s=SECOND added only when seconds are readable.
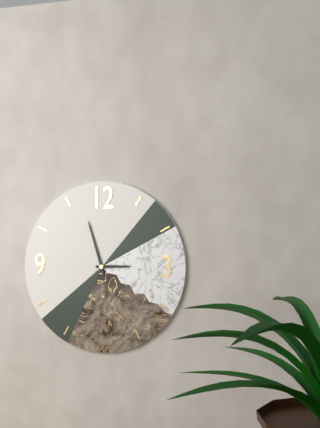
h=2 m=57
